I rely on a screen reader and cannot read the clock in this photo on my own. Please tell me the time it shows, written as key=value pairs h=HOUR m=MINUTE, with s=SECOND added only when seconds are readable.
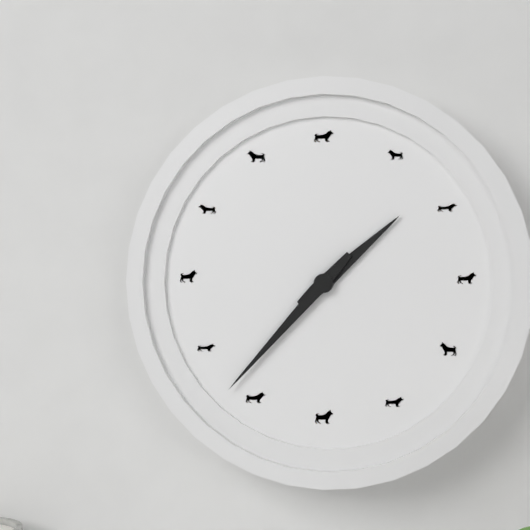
h=1 m=37
